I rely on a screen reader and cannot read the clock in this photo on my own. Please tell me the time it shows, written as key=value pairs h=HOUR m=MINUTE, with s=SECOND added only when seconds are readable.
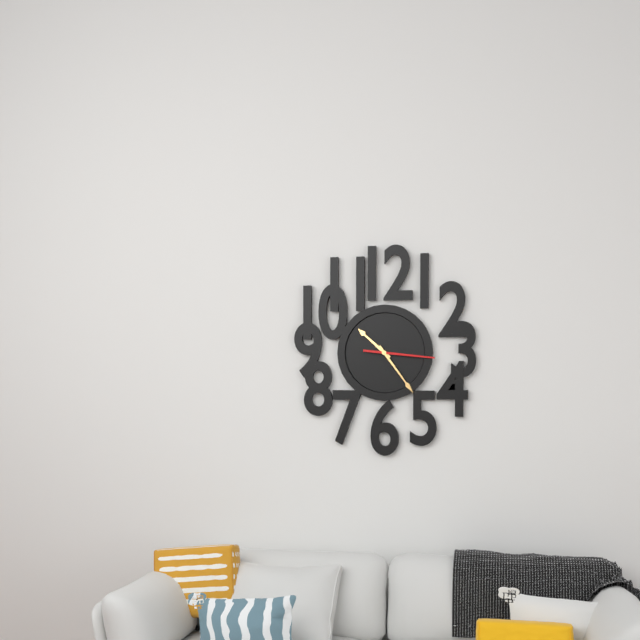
h=10 m=24 s=16
